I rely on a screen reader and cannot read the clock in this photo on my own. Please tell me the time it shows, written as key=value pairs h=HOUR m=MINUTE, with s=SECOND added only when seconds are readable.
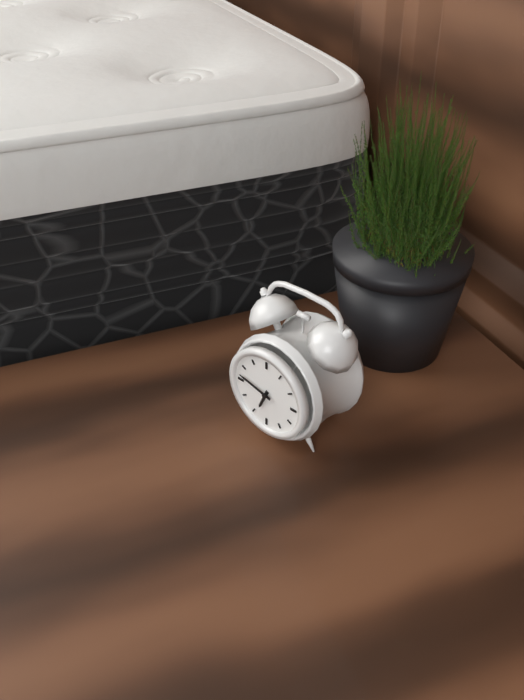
h=6 m=47
